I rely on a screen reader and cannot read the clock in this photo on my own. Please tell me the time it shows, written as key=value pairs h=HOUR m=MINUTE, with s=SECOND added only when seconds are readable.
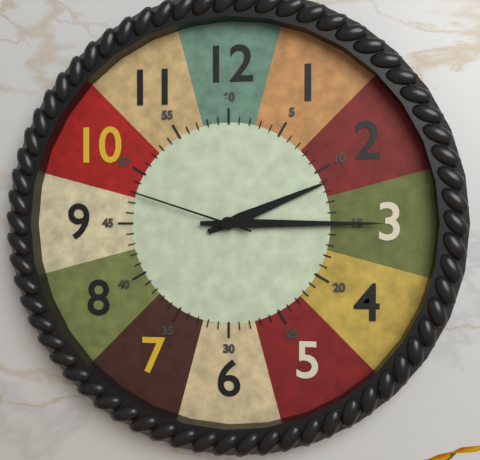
h=2 m=15 s=48
